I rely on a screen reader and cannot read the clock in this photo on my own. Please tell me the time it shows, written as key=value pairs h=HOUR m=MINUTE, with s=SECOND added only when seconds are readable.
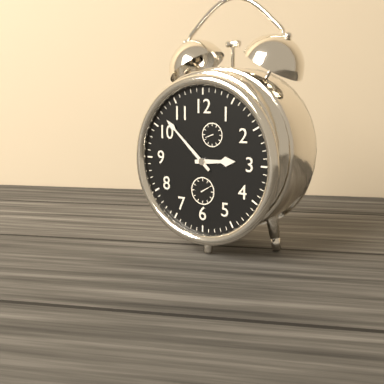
h=2 m=52
